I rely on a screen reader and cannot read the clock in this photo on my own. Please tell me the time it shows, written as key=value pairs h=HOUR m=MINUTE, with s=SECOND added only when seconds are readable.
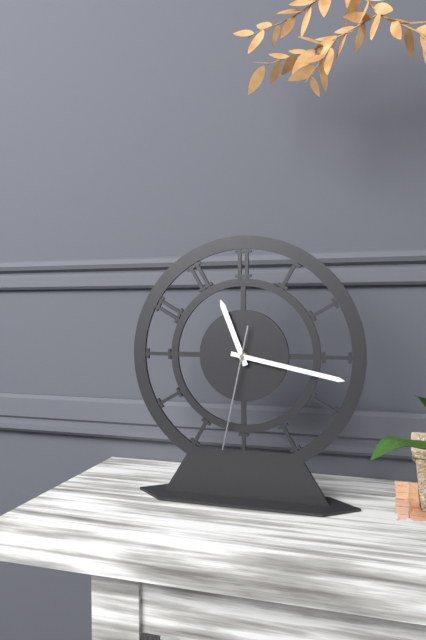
h=11 m=17 s=32
